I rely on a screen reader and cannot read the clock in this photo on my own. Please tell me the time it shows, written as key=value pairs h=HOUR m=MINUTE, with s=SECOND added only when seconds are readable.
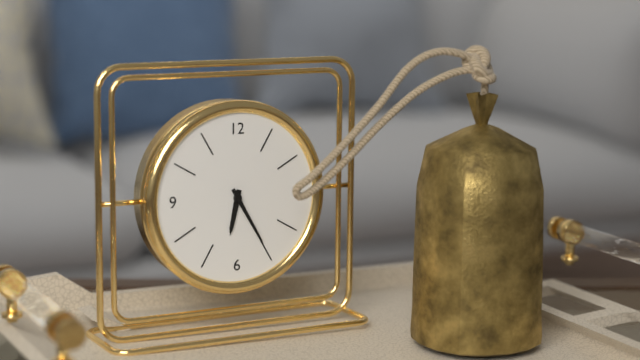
h=6 m=25
